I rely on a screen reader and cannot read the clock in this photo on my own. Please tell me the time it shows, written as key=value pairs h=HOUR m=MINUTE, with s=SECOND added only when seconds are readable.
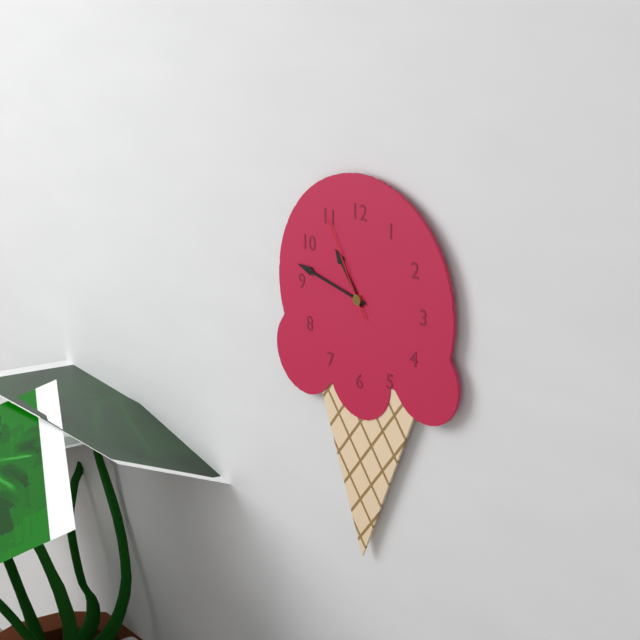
h=10 m=47 s=55
